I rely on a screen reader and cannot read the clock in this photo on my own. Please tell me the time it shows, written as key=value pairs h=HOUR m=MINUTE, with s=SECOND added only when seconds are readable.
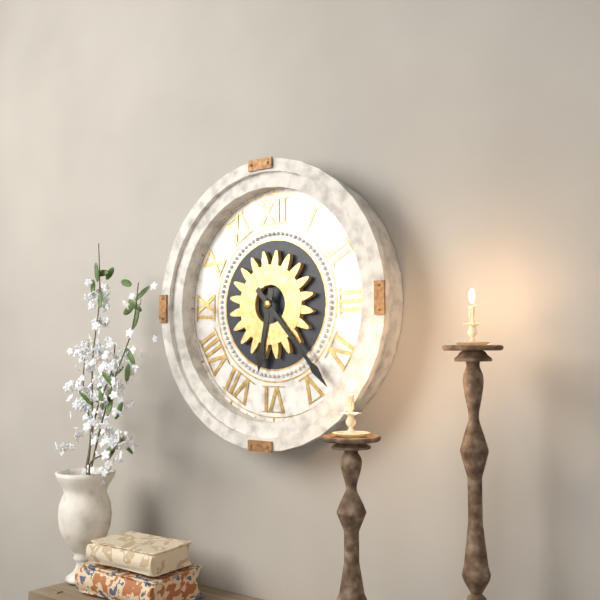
h=6 m=23
